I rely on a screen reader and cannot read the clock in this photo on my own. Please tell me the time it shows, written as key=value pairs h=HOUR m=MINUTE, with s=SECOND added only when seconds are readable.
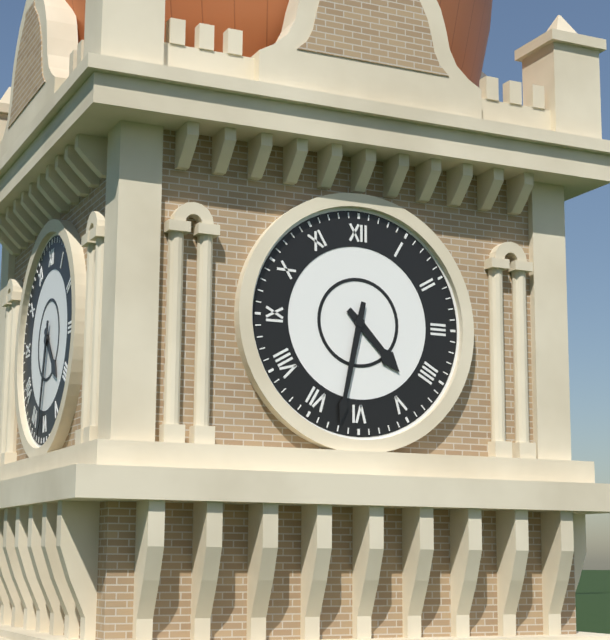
h=4 m=32
